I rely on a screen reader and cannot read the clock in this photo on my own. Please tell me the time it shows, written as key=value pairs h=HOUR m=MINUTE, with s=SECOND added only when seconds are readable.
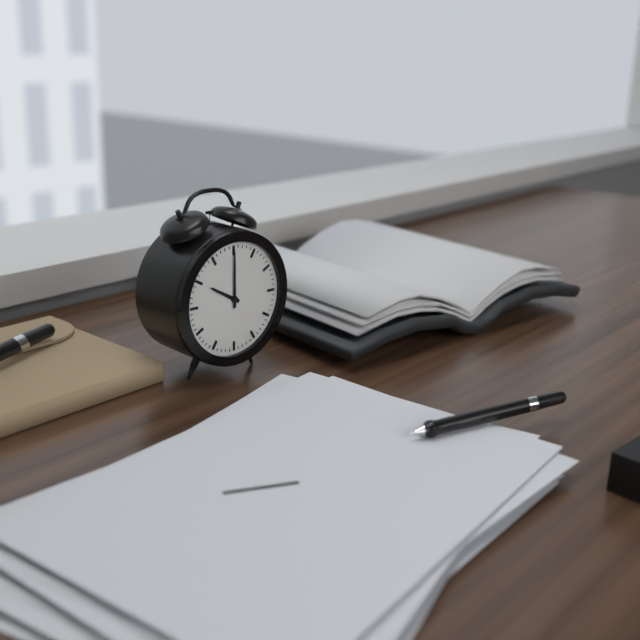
h=10 m=0
